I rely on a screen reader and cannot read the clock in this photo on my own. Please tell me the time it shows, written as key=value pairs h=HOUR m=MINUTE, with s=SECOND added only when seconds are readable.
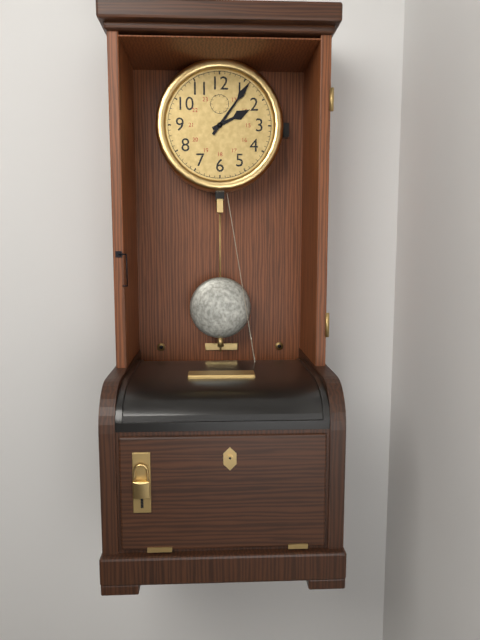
h=2 m=6
